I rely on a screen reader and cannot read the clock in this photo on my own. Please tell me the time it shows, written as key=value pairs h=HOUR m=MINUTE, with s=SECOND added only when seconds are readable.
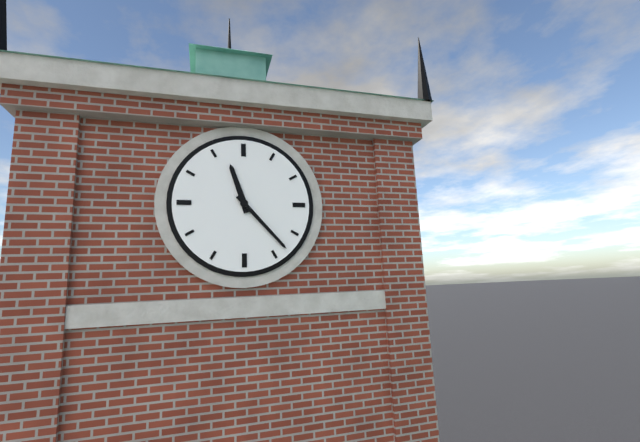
h=11 m=23
